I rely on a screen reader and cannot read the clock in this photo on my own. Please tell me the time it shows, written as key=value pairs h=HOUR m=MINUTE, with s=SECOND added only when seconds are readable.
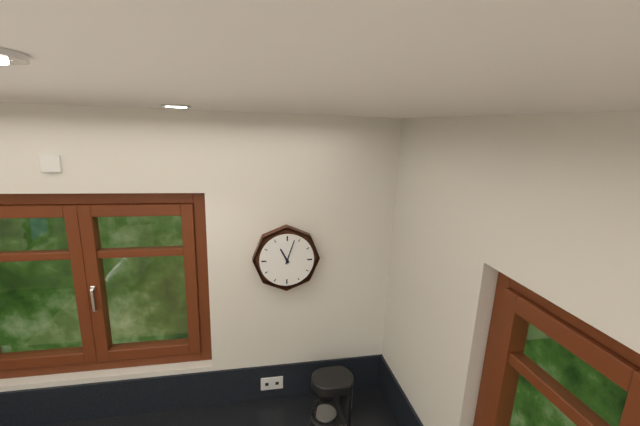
h=11 m=3
